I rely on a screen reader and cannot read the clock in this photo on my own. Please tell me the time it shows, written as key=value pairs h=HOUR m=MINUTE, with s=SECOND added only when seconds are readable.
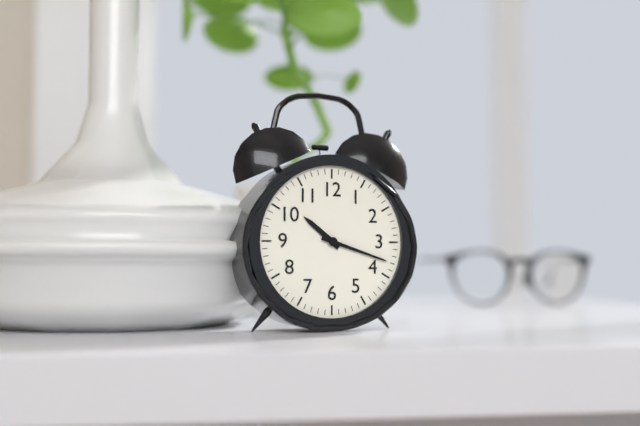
h=10 m=18
